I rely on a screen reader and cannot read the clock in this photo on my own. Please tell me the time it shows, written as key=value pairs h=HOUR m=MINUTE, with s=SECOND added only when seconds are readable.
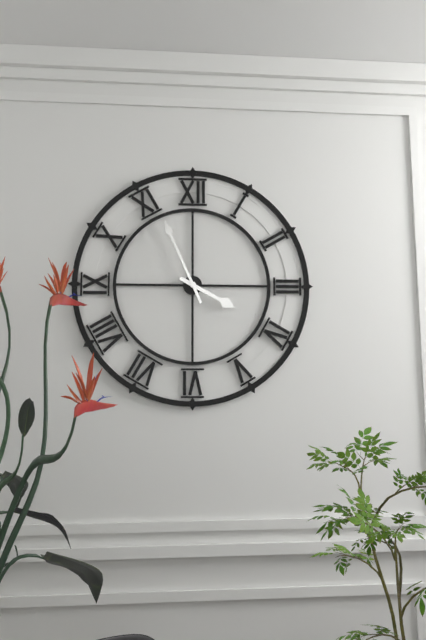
h=3 m=56
